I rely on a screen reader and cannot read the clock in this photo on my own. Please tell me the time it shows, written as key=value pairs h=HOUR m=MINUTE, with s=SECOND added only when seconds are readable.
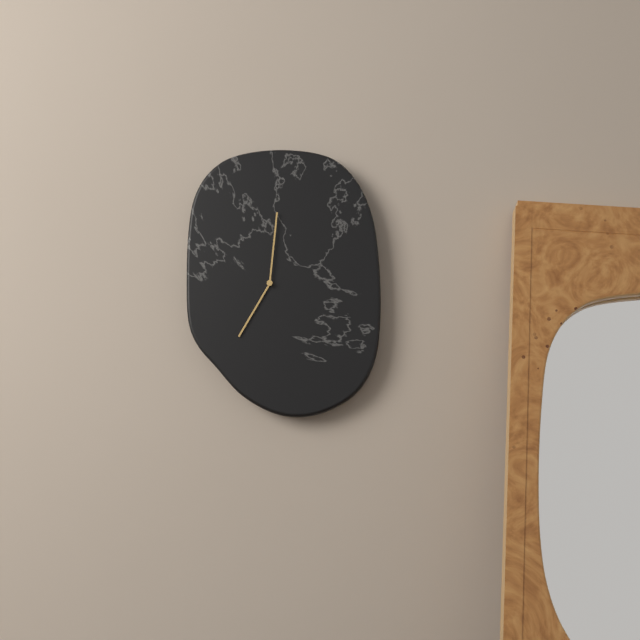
h=7 m=1
